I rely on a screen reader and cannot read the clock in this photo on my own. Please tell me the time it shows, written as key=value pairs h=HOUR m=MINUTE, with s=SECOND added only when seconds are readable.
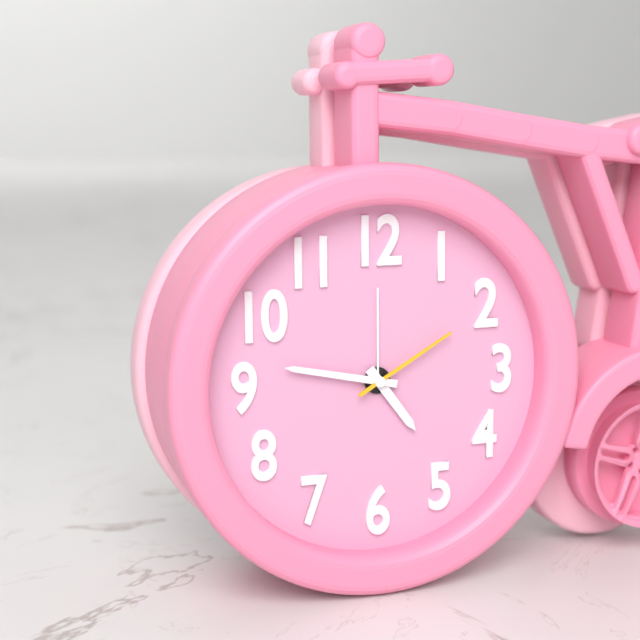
h=4 m=47 s=10
